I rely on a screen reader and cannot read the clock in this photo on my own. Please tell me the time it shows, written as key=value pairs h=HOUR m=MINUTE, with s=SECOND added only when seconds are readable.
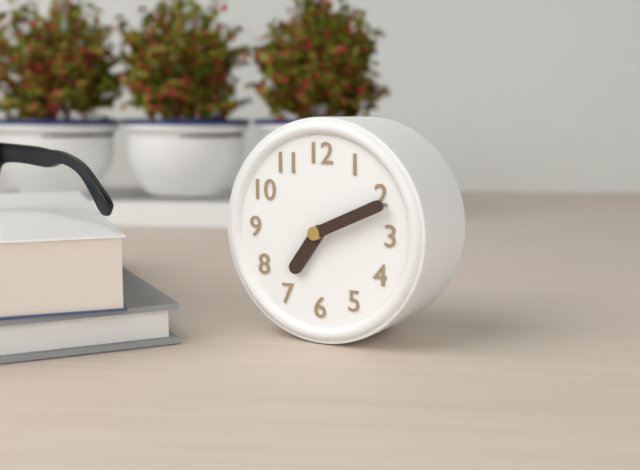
h=7 m=11
